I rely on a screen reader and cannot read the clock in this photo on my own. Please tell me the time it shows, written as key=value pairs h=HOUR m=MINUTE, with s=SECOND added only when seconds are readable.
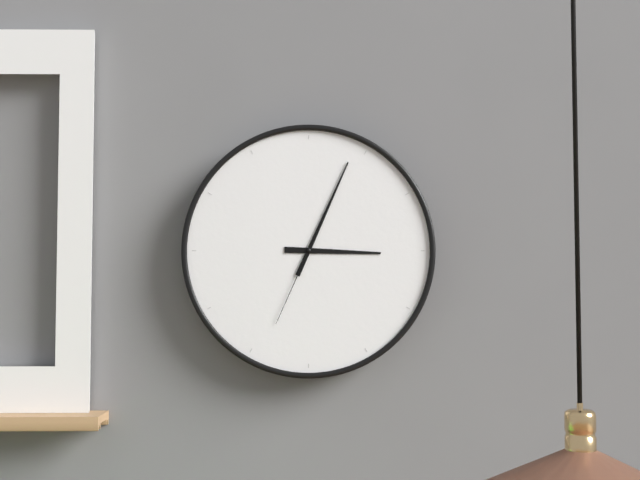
h=3 m=4 s=34
